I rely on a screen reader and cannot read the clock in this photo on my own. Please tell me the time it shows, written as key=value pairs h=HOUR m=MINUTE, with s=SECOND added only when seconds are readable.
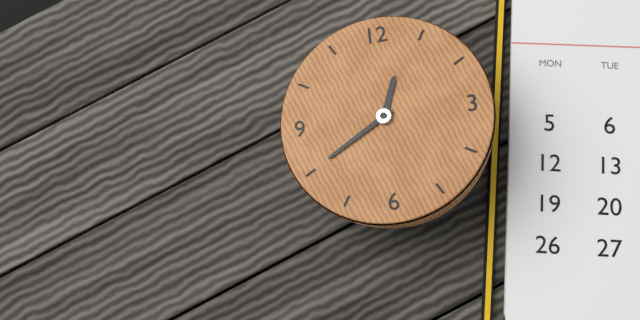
h=12 m=40
